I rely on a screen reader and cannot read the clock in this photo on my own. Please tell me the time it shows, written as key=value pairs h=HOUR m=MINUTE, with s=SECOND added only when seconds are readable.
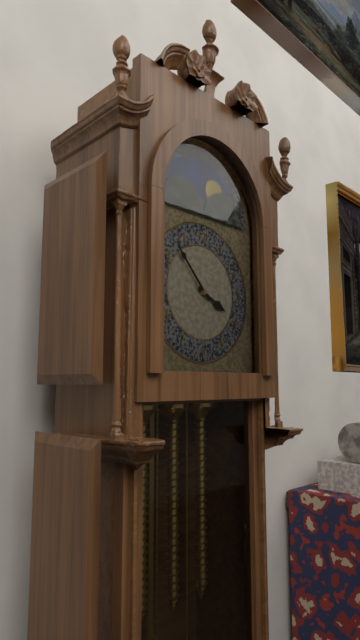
h=3 m=53
